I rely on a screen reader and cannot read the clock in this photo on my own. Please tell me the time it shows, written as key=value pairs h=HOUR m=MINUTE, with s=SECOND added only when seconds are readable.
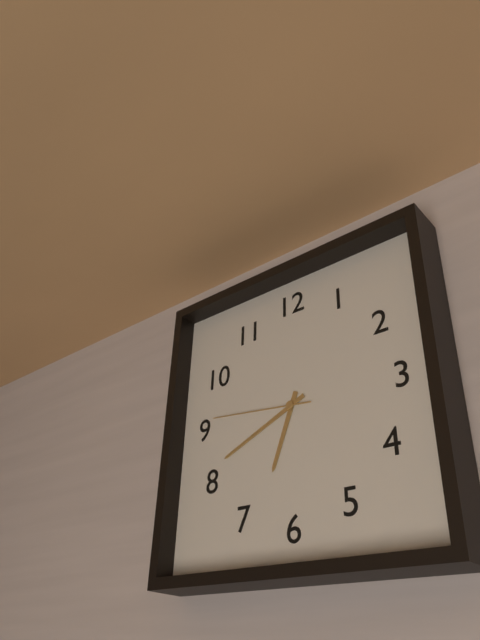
h=6 m=41 s=46
